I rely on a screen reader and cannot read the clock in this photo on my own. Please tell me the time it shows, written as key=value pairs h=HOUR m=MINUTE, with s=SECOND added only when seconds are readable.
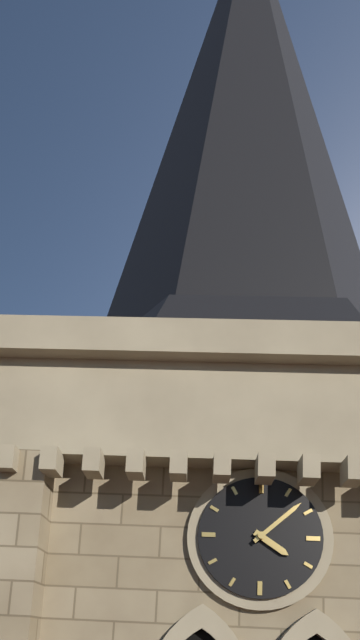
h=4 m=8
